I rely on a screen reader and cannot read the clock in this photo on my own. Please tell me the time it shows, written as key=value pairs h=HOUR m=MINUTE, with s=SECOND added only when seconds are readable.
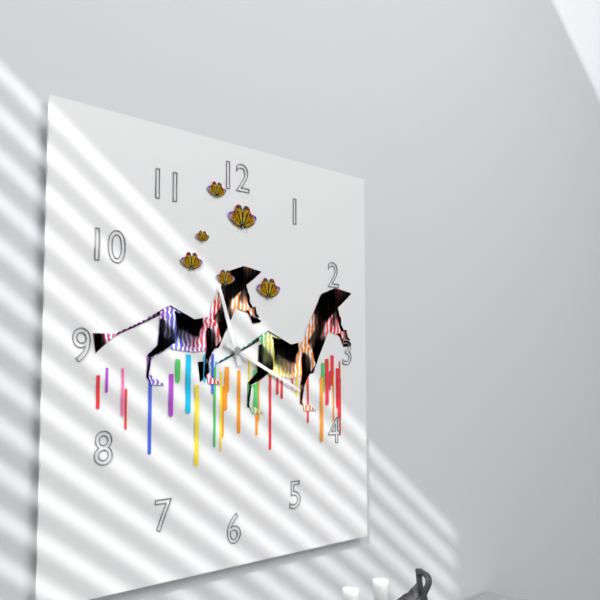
h=11 m=19
